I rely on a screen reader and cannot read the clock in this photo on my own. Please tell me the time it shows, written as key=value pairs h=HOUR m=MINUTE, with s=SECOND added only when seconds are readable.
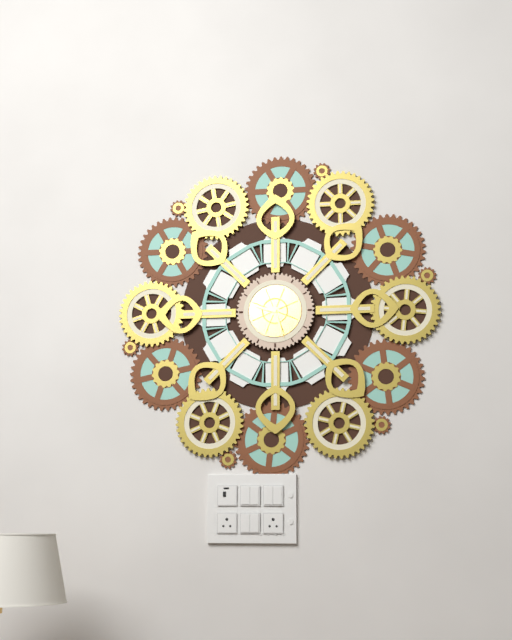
h=9 m=27
